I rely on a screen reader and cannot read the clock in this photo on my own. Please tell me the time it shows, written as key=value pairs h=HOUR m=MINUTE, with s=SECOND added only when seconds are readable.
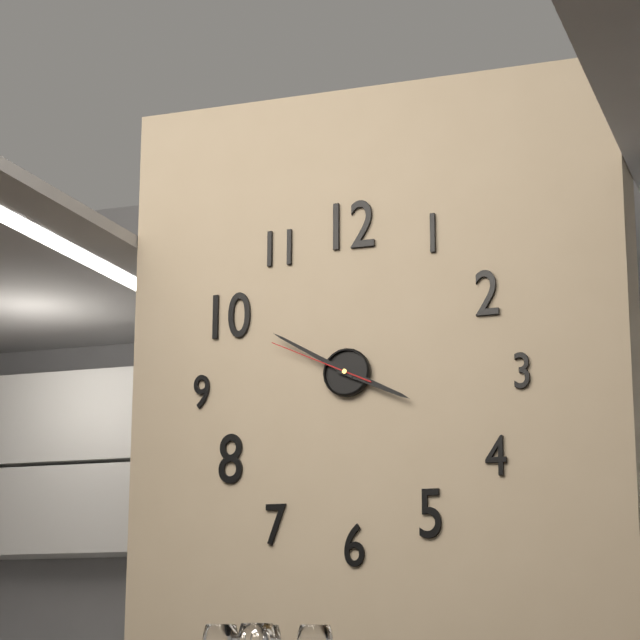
h=3 m=50 s=49
